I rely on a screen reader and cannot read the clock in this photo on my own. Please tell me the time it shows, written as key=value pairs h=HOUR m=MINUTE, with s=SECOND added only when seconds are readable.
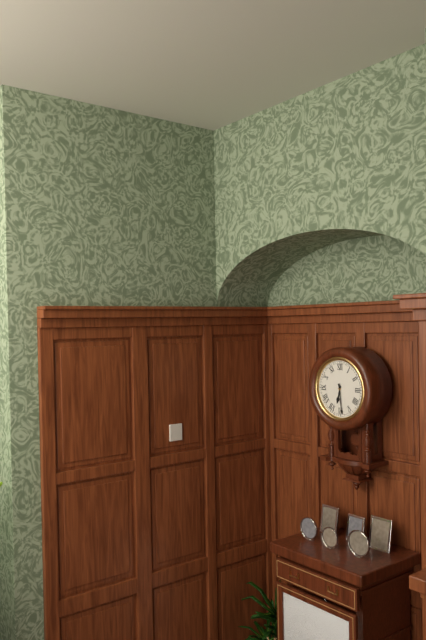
h=6 m=29
